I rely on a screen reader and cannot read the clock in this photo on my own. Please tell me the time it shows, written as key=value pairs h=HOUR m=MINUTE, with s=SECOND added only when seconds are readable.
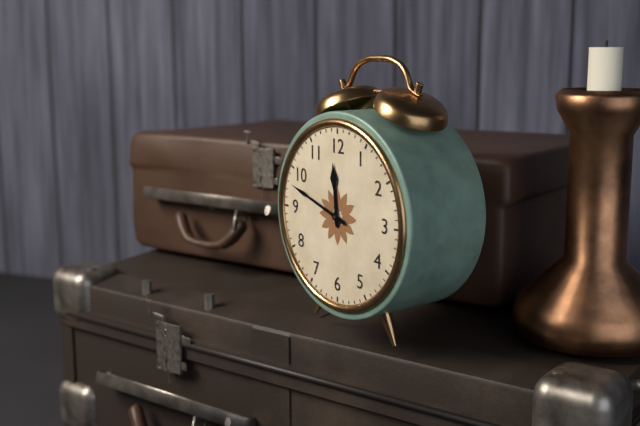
h=11 m=48
